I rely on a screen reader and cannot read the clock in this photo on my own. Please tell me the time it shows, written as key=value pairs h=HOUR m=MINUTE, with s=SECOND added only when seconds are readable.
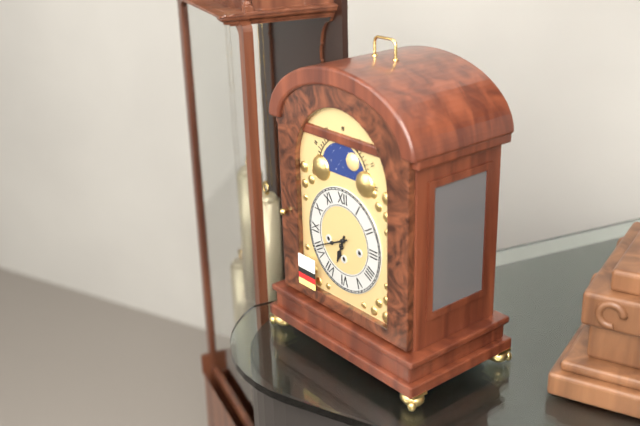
h=6 m=41
